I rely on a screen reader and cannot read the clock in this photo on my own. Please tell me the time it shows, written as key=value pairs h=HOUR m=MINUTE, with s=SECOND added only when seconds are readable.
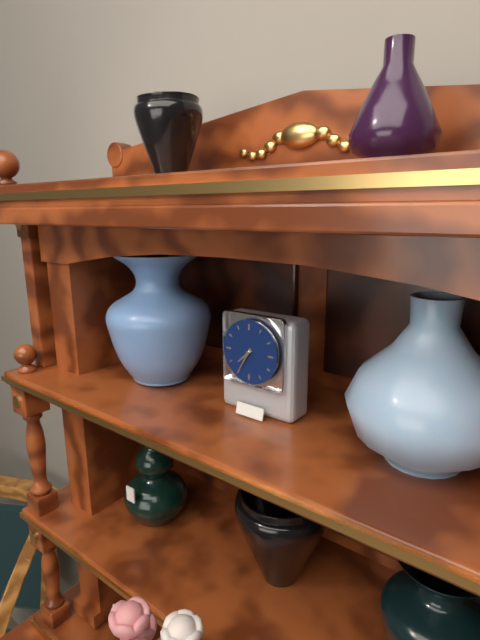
h=7 m=35
